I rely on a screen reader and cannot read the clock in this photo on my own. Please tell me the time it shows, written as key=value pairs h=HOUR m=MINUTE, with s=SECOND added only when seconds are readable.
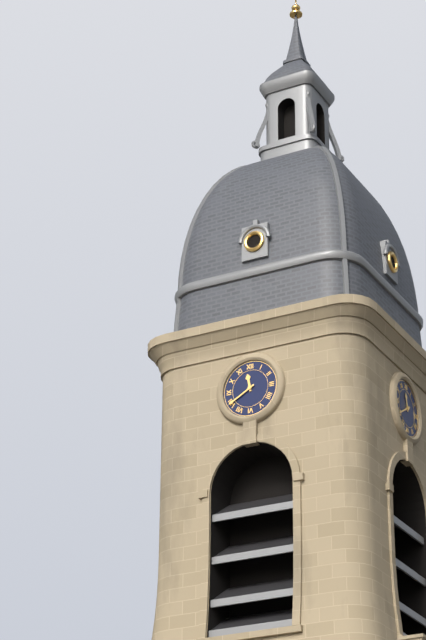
h=11 m=40
